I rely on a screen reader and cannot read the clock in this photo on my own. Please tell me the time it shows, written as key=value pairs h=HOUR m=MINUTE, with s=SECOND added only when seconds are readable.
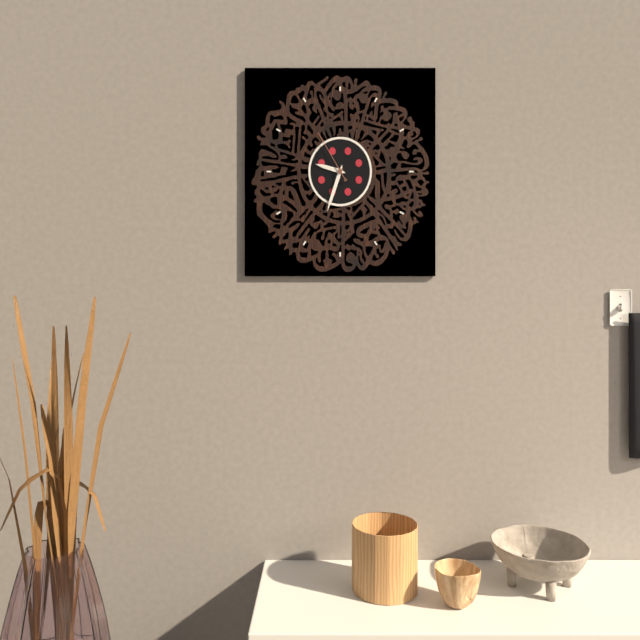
h=9 m=33 s=55
